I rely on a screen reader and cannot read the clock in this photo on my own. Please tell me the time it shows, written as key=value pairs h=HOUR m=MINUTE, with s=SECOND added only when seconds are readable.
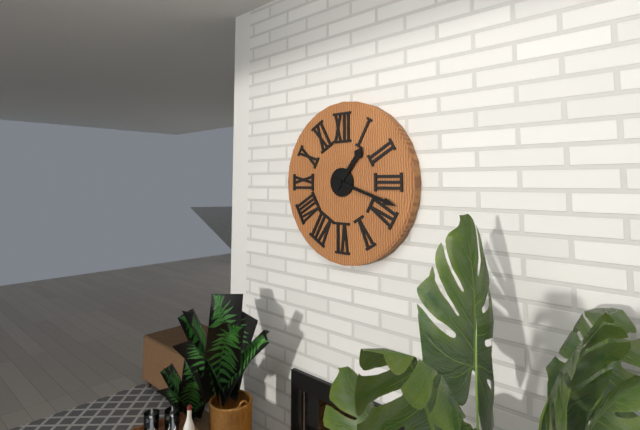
h=1 m=18
